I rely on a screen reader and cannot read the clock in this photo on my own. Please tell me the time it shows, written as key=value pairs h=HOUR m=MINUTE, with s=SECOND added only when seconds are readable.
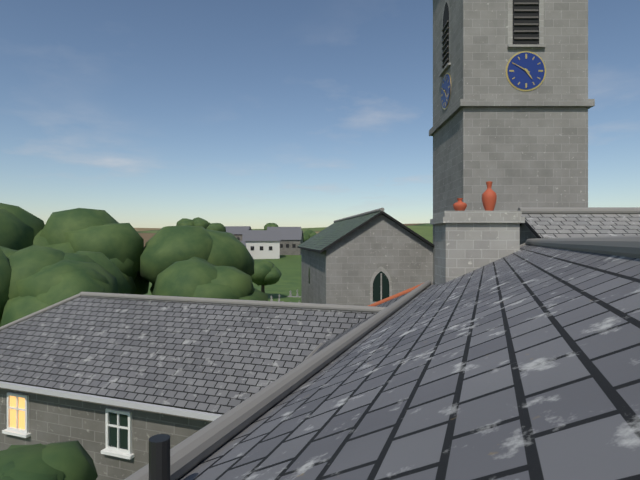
h=4 m=50
